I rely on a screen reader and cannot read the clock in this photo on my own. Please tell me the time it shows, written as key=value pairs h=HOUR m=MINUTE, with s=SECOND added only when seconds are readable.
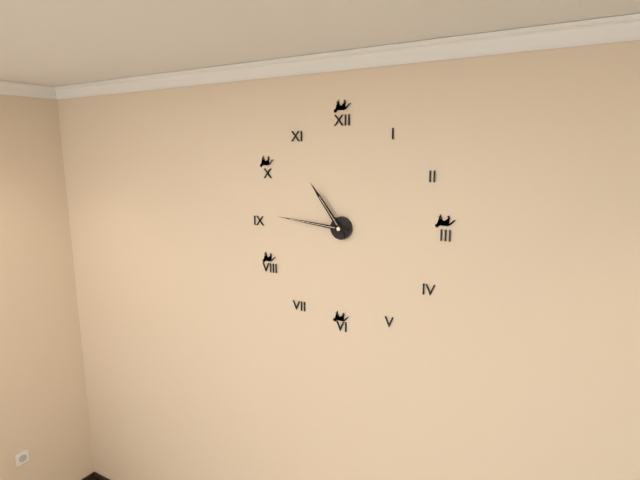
h=10 m=46
